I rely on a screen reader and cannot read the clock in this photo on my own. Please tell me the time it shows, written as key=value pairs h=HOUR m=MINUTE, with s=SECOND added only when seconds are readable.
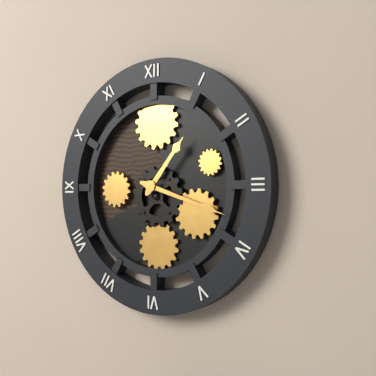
h=1 m=18
